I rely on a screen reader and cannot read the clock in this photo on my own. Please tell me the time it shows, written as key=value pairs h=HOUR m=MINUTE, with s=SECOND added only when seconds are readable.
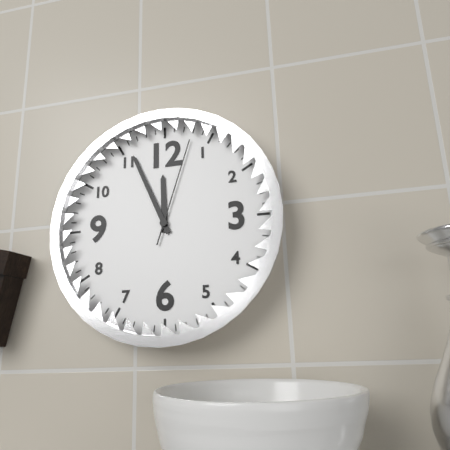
h=11 m=56 s=3
